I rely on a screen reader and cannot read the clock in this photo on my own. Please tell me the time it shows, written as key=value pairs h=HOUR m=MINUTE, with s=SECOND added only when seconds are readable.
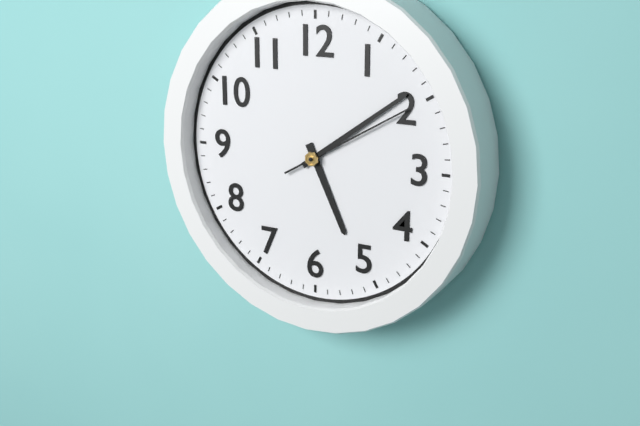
h=5 m=9 s=10
